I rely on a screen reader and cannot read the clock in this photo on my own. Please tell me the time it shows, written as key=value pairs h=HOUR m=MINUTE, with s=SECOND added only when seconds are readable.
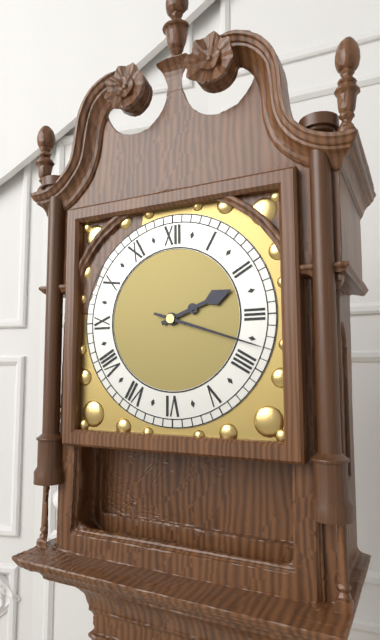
h=2 m=18
